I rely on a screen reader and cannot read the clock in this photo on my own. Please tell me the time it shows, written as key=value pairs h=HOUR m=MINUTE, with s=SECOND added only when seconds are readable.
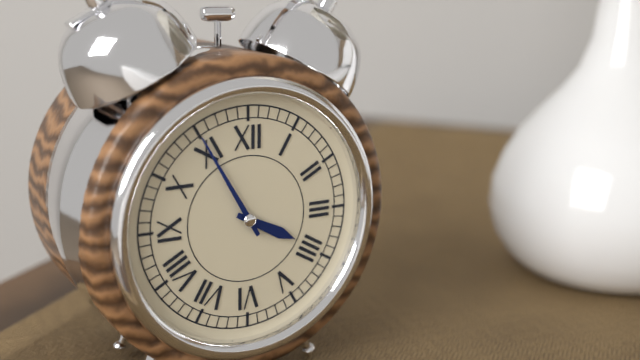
h=3 m=55
